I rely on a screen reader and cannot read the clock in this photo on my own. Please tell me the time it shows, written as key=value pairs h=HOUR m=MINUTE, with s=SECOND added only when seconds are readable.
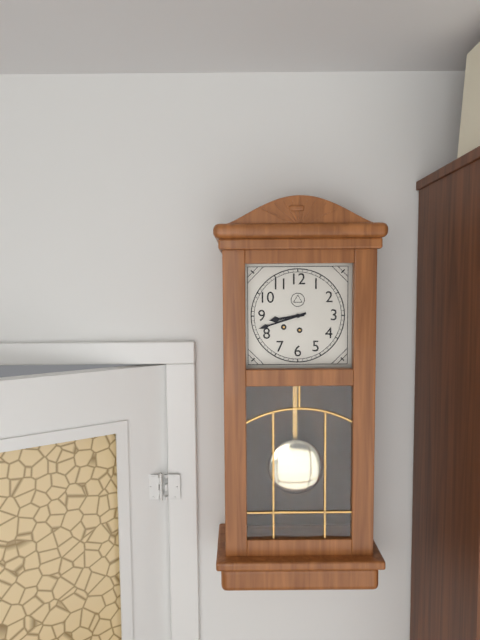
h=8 m=42
